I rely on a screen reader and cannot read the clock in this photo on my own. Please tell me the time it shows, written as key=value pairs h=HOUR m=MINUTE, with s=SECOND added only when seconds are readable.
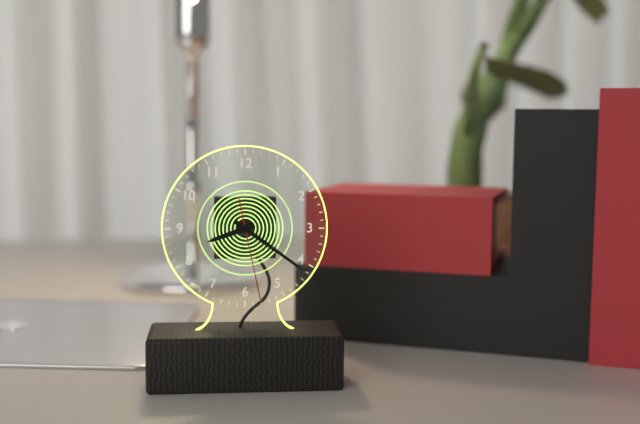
h=8 m=21 s=28
